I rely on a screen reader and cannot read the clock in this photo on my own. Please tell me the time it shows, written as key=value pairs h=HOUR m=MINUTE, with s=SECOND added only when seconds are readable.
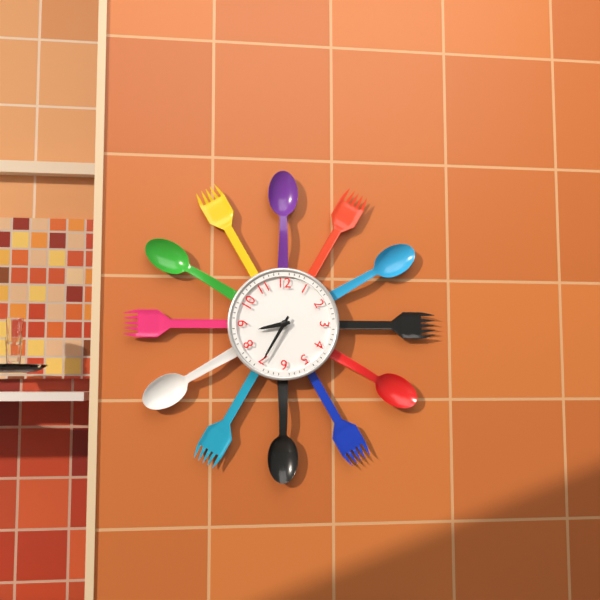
h=8 m=35
